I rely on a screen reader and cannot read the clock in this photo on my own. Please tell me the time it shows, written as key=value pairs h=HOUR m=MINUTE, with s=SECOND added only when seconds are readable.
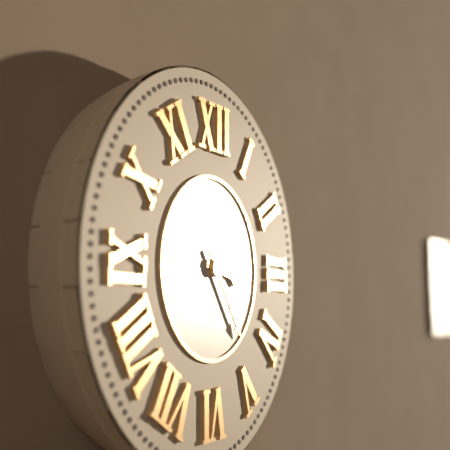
h=3 m=24
